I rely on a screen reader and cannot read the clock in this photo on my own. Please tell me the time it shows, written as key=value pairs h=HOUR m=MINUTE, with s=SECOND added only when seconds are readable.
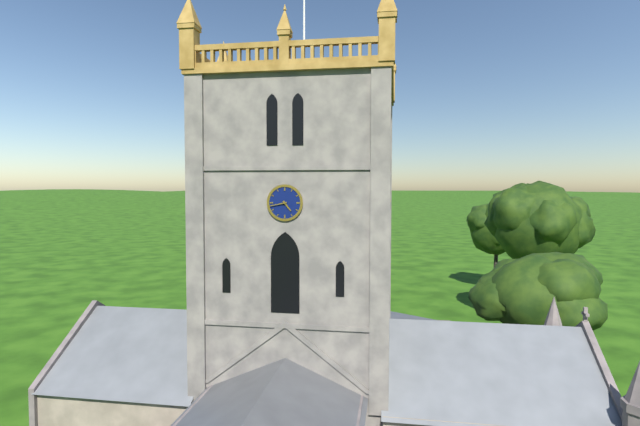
h=4 m=43
